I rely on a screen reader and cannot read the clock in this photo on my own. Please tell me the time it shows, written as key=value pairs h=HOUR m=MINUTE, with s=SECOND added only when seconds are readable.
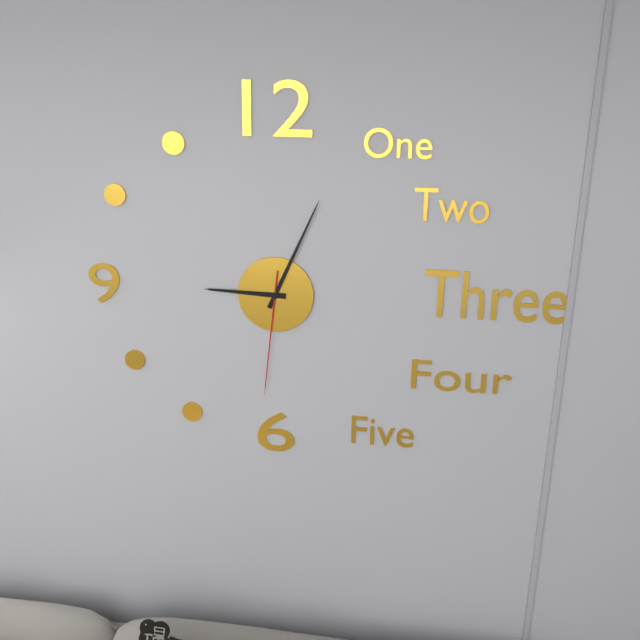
h=9 m=4 s=31
